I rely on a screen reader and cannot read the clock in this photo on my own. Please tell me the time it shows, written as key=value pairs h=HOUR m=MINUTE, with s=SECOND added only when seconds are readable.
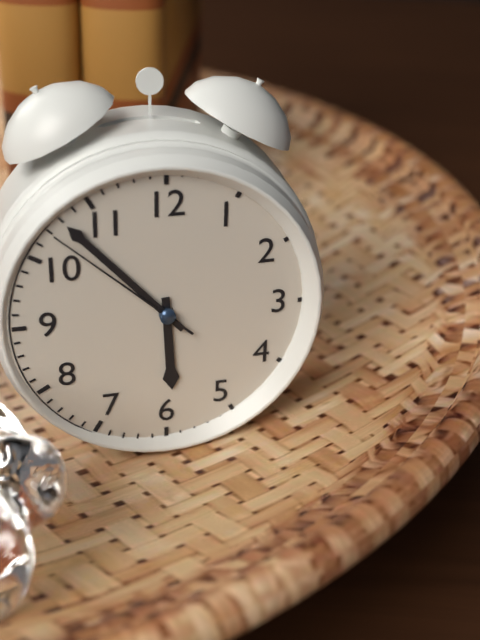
h=5 m=53 s=52
